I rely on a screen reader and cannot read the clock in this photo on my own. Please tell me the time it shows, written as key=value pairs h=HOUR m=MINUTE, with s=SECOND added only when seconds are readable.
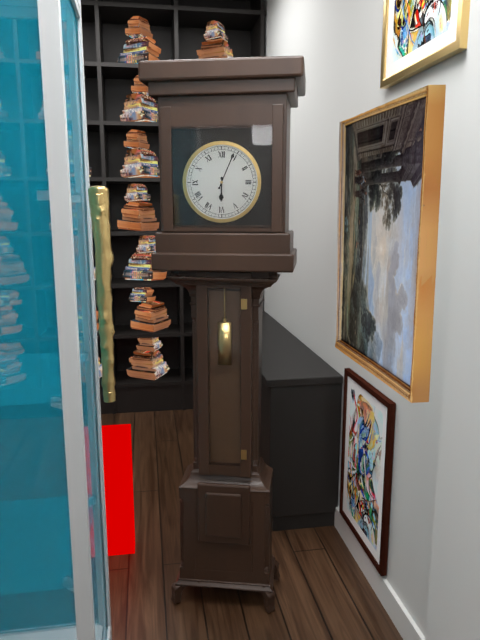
h=6 m=4
